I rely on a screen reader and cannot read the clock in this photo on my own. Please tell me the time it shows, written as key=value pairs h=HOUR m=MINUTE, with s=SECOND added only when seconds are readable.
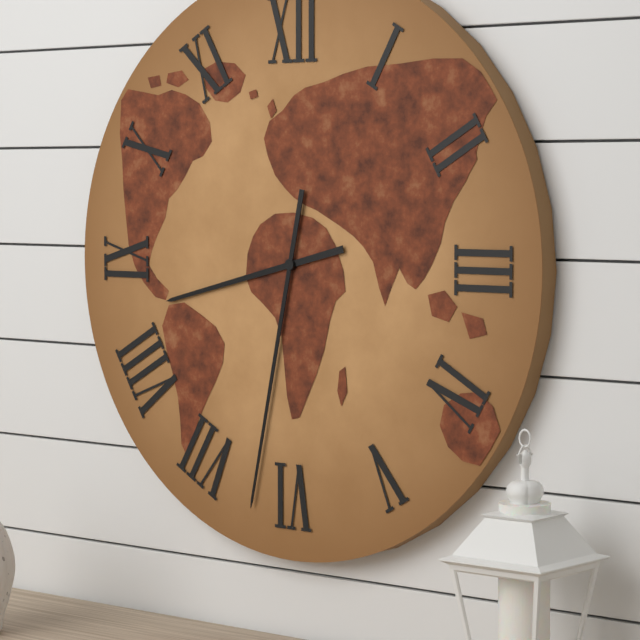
h=8 m=32
